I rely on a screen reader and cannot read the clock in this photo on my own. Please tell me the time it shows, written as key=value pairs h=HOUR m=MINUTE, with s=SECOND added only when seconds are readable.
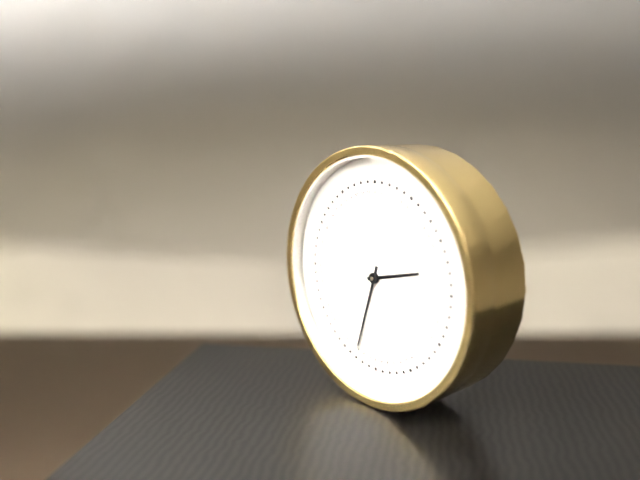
h=2 m=33
